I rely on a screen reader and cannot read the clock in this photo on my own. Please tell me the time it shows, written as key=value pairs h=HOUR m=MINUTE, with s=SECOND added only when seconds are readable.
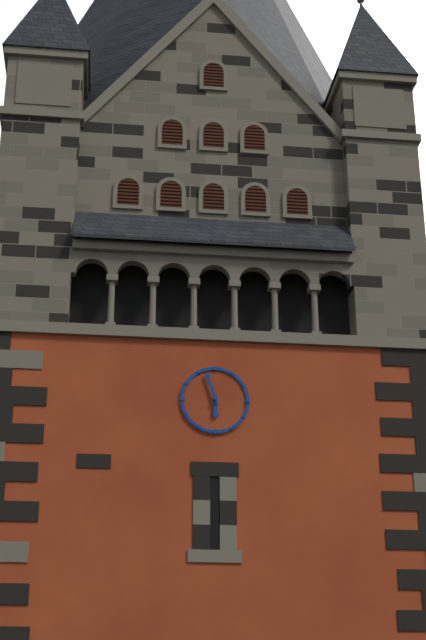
h=5 m=57
